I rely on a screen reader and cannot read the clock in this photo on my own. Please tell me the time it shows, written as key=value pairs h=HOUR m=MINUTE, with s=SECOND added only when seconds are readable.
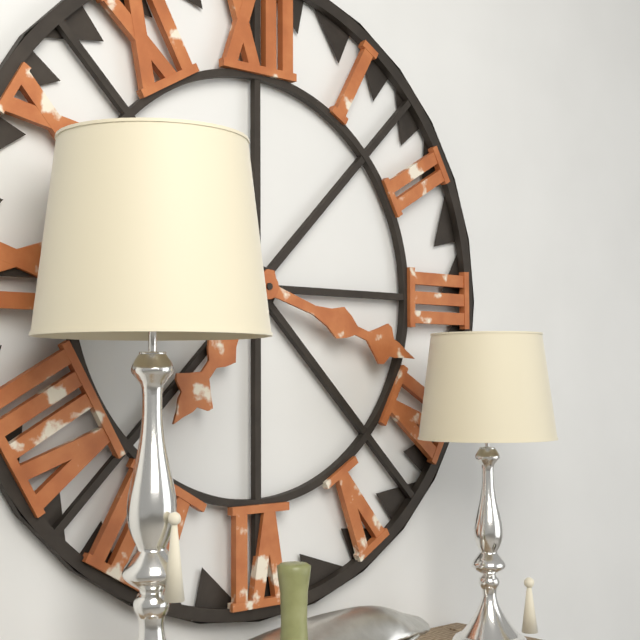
h=7 m=18
